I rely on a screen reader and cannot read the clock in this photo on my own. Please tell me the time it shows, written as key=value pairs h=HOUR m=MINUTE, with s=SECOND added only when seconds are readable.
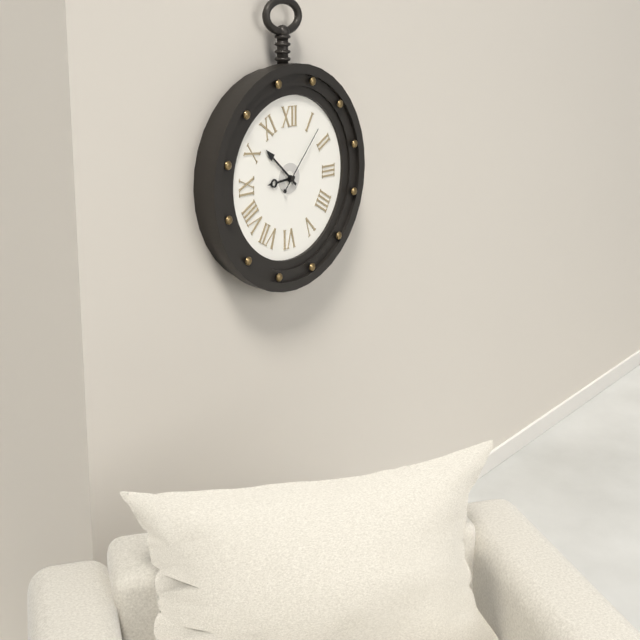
h=8 m=52 s=7
